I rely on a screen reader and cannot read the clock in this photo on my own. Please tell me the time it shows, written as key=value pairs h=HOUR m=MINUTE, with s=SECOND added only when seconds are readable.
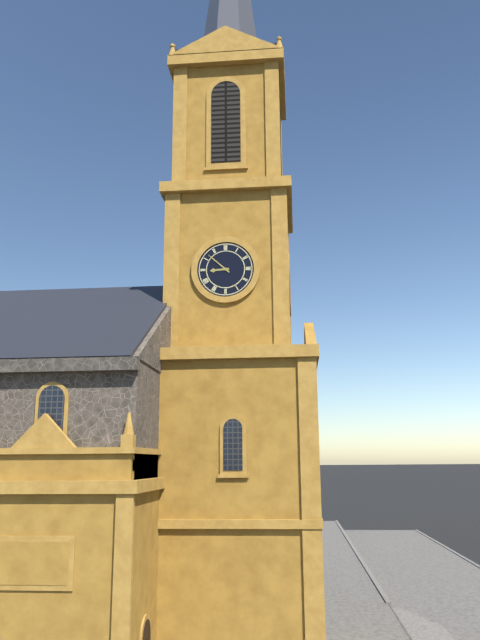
h=8 m=52
